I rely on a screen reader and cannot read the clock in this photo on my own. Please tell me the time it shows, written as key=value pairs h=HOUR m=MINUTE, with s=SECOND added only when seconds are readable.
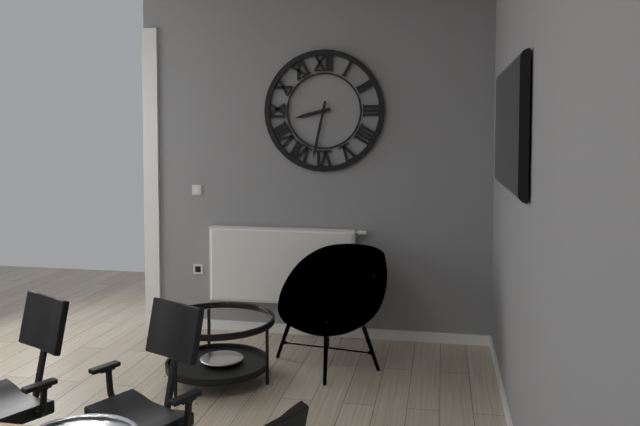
h=8 m=32
